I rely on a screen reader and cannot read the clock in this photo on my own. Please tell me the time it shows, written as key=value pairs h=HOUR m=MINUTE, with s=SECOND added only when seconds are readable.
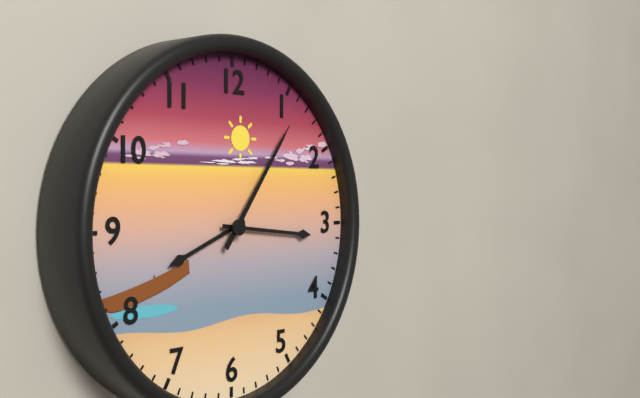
h=8 m=16 s=6
